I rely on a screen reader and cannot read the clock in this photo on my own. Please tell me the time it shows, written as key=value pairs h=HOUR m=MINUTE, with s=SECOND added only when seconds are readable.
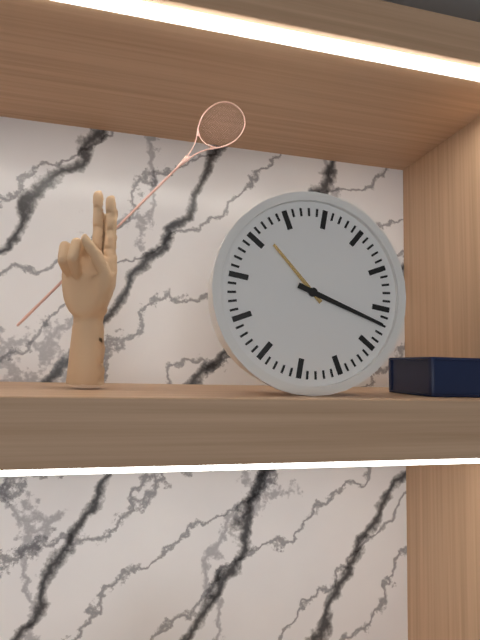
h=10 m=17
